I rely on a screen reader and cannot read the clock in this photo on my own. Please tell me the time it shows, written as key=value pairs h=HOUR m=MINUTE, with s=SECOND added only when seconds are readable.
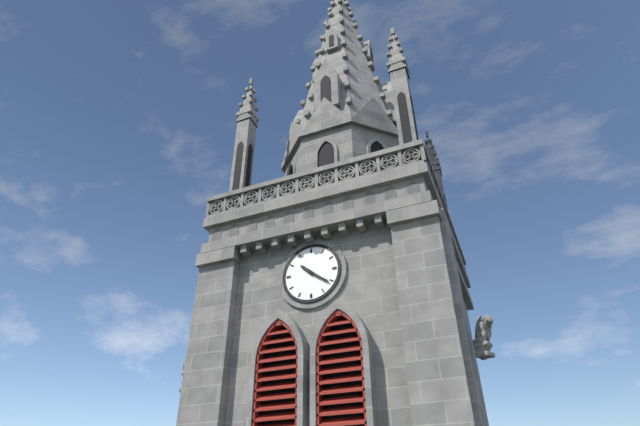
h=10 m=21
